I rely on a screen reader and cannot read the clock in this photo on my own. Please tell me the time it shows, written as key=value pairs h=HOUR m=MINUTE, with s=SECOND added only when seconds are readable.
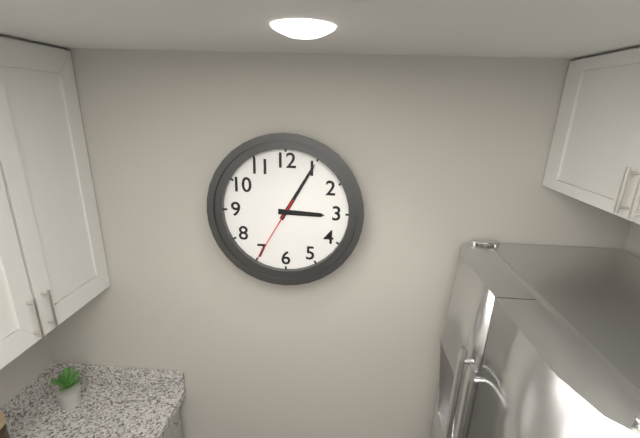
h=3 m=5 s=35
